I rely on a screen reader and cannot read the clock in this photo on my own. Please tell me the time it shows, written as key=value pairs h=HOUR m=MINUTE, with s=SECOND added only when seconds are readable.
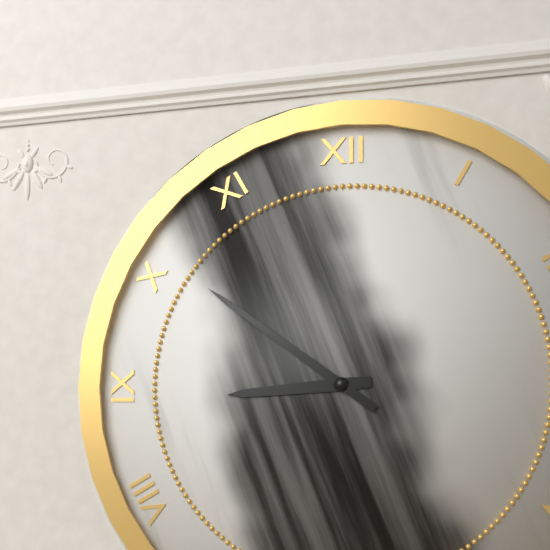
h=8 m=51
